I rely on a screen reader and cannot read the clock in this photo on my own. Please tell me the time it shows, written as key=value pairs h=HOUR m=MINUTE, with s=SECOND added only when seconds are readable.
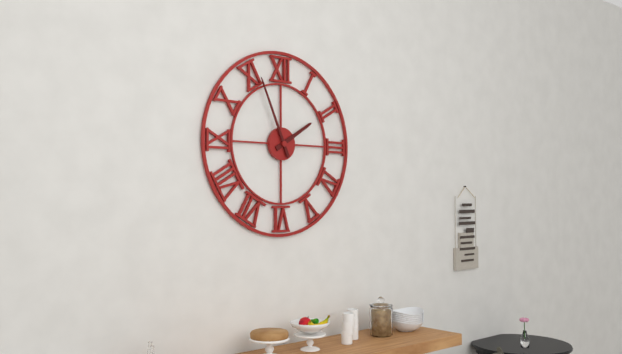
h=1 m=56
